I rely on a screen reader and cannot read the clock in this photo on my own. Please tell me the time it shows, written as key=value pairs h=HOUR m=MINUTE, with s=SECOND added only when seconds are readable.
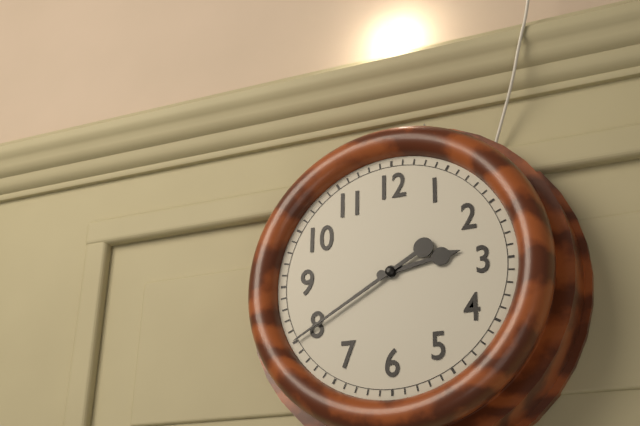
h=2 m=40
